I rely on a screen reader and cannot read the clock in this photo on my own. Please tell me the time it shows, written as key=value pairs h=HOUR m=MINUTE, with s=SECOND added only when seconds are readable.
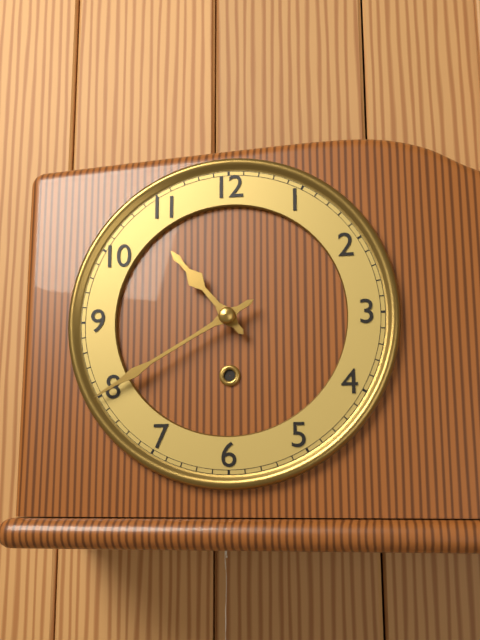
h=10 m=40
